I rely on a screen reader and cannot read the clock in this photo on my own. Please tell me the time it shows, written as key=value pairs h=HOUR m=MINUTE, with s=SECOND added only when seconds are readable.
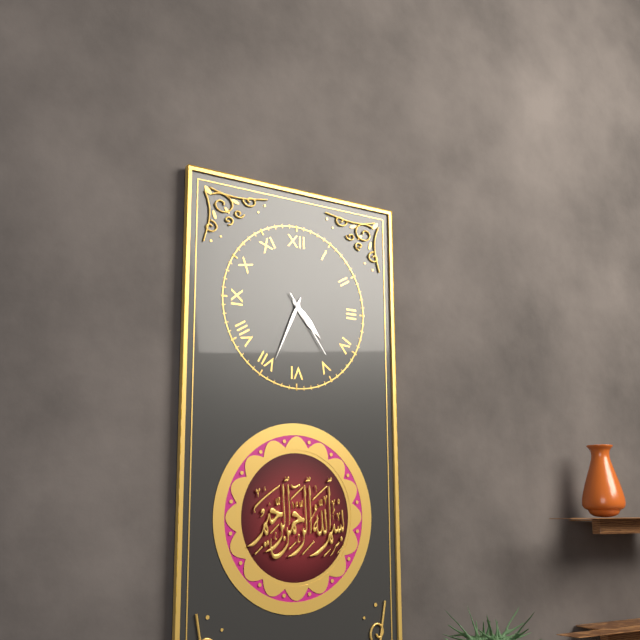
h=4 m=34 s=24
